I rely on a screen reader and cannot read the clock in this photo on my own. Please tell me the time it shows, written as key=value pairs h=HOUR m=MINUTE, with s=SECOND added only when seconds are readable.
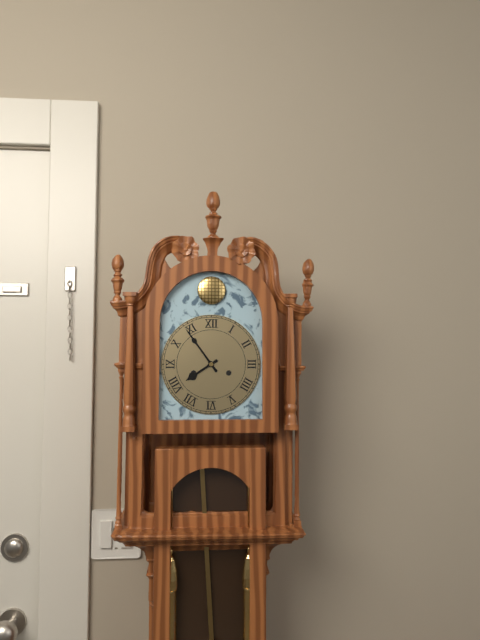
h=7 m=54
